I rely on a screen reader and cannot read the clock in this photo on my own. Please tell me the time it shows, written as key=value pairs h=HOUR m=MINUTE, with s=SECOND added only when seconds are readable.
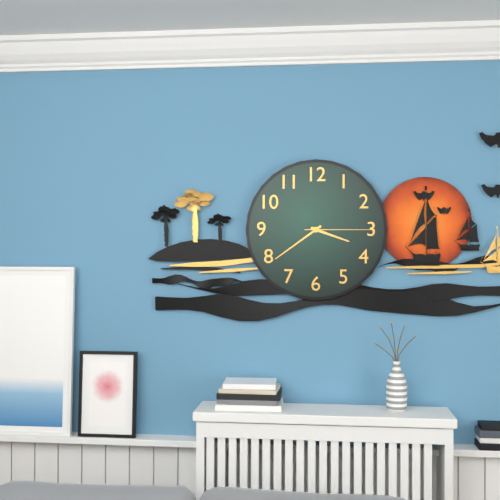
h=3 m=39 s=15
